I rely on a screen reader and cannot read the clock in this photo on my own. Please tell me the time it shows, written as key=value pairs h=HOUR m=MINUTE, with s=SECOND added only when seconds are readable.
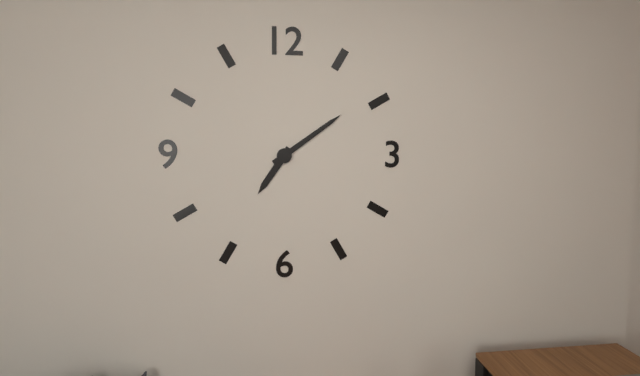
h=7 m=9
